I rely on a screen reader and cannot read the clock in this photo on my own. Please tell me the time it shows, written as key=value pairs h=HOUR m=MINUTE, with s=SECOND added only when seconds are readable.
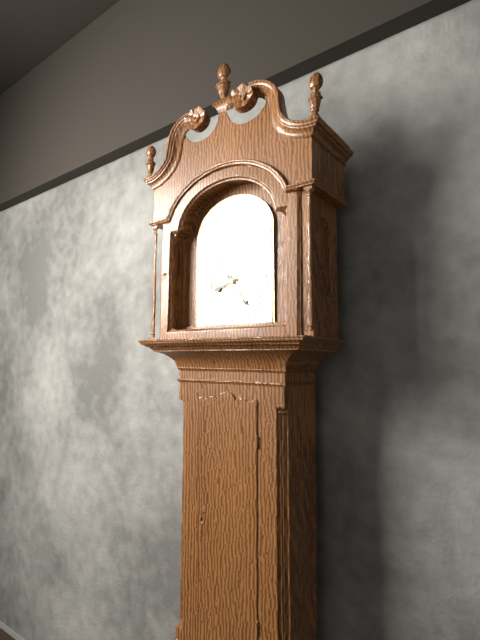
h=8 m=24
